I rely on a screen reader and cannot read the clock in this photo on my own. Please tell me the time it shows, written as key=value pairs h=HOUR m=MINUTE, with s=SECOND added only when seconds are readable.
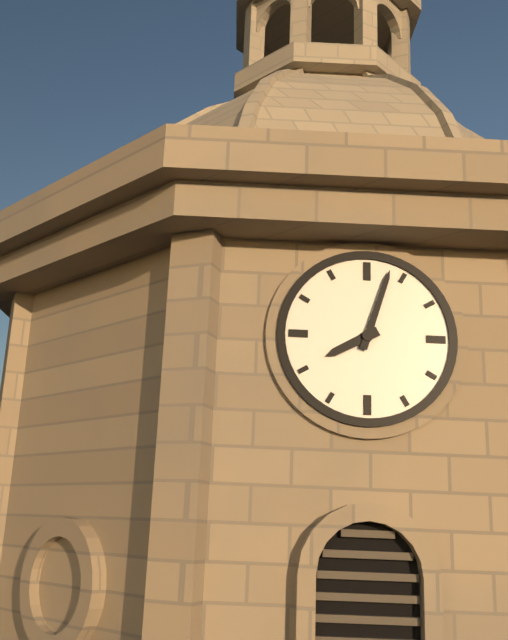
h=8 m=3
